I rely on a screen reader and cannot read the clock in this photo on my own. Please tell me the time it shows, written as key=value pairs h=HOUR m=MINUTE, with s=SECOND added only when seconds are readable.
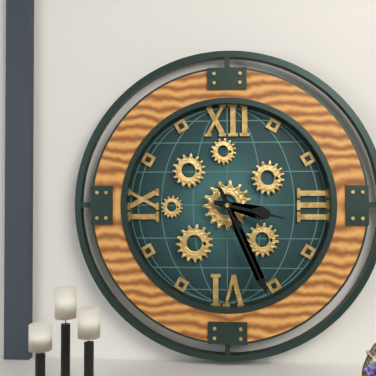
h=3 m=26
